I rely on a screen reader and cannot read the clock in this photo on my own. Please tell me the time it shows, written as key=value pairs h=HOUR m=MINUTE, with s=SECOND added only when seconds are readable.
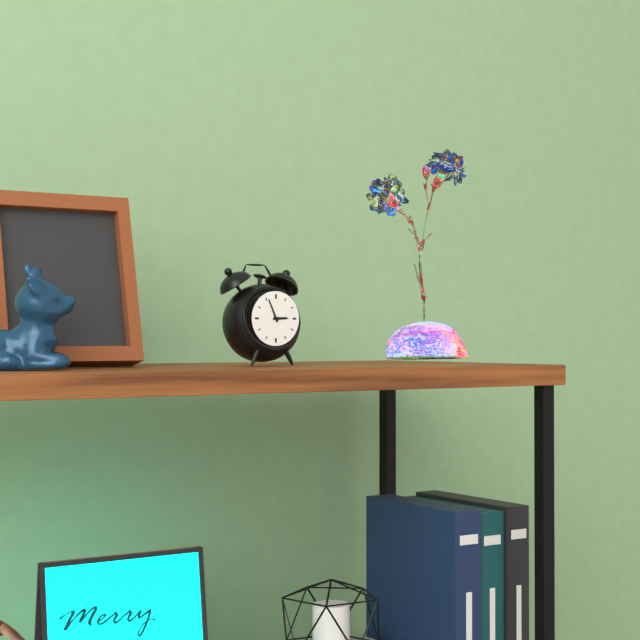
h=2 m=56
